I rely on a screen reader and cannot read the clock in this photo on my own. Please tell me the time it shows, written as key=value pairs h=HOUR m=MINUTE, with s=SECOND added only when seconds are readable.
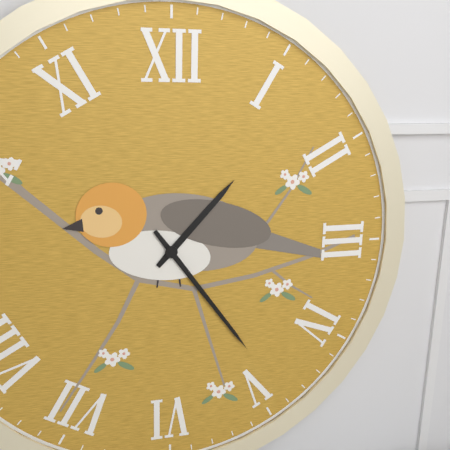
h=1 m=24
